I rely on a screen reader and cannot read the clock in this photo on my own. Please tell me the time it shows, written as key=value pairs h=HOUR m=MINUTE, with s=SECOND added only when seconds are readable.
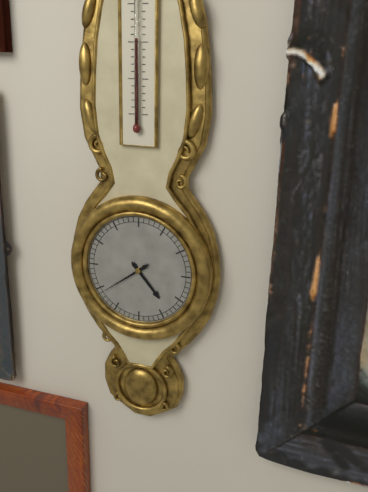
h=4 m=39
